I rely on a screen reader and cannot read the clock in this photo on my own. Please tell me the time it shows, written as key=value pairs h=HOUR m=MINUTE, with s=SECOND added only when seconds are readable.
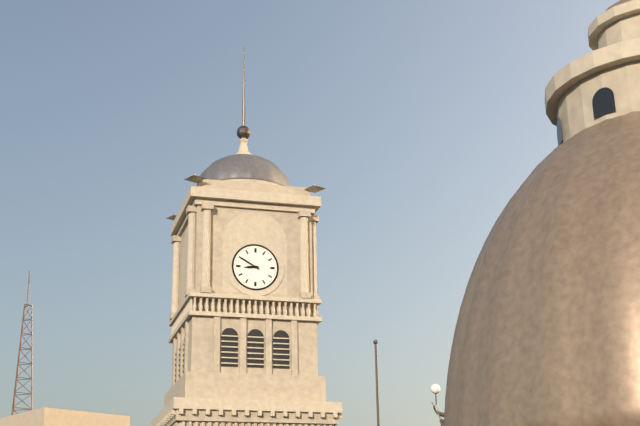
h=8 m=50
